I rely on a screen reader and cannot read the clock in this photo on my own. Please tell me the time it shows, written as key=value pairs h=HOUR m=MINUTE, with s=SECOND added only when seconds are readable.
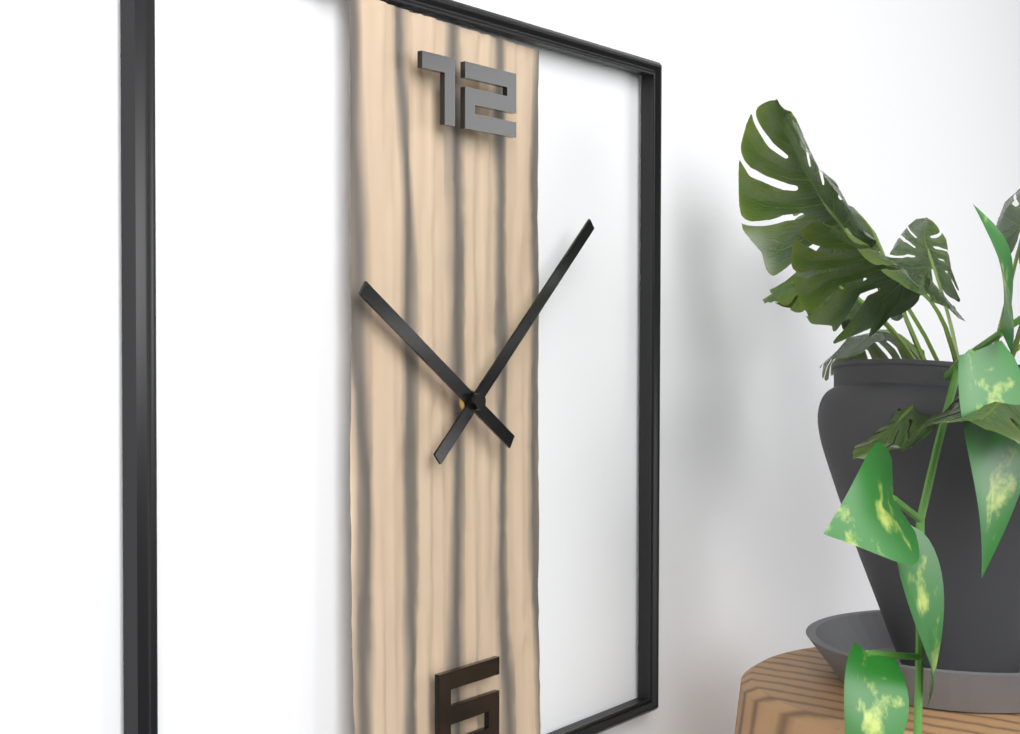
h=10 m=8
